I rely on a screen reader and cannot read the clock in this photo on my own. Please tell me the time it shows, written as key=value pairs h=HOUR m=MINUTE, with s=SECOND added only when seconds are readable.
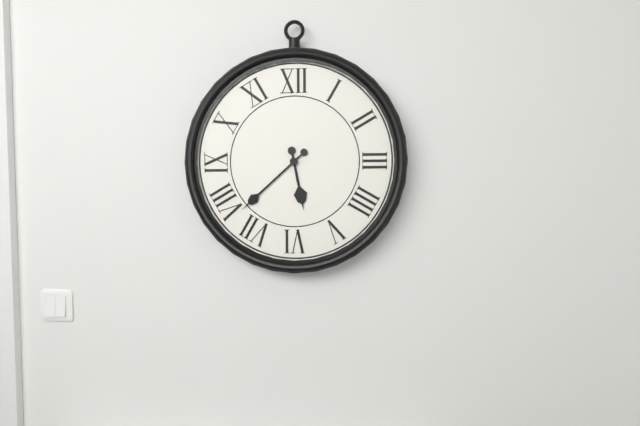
h=5 m=38
